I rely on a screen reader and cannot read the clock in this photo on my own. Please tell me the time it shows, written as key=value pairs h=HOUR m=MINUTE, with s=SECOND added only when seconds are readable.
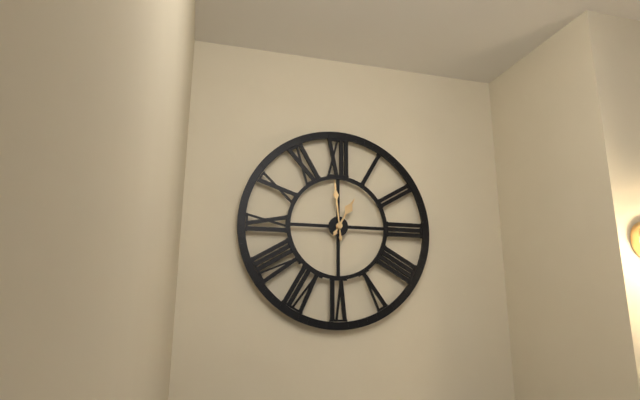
h=12 m=59
